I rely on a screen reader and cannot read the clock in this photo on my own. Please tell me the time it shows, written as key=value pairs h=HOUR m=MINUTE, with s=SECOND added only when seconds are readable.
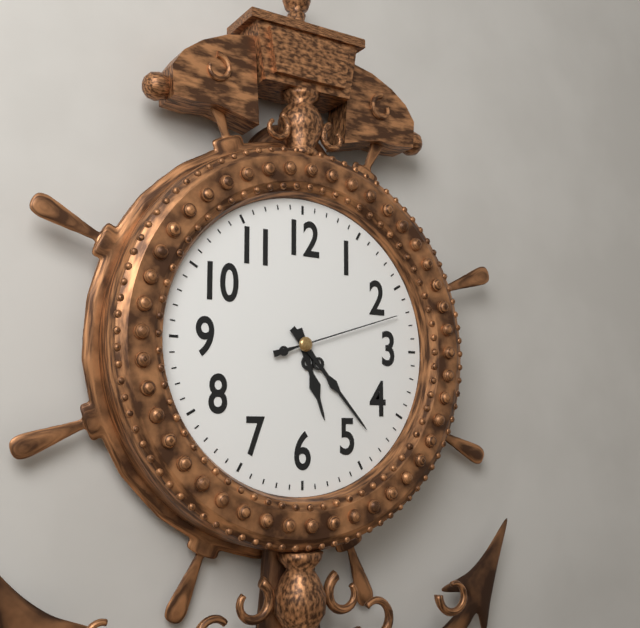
h=5 m=23 s=12
